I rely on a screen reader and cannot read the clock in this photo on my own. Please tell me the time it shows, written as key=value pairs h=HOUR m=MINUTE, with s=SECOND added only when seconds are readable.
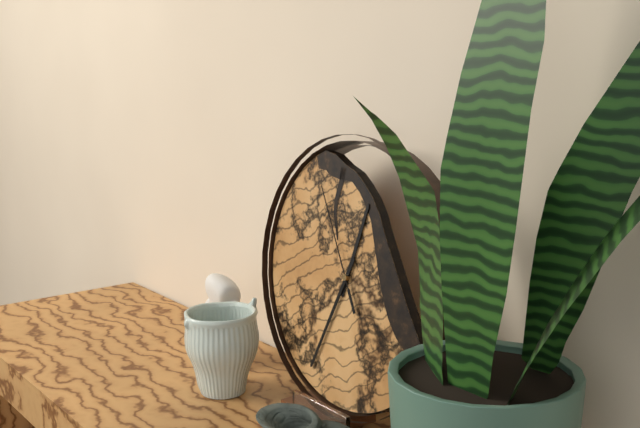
h=12 m=34 s=55
